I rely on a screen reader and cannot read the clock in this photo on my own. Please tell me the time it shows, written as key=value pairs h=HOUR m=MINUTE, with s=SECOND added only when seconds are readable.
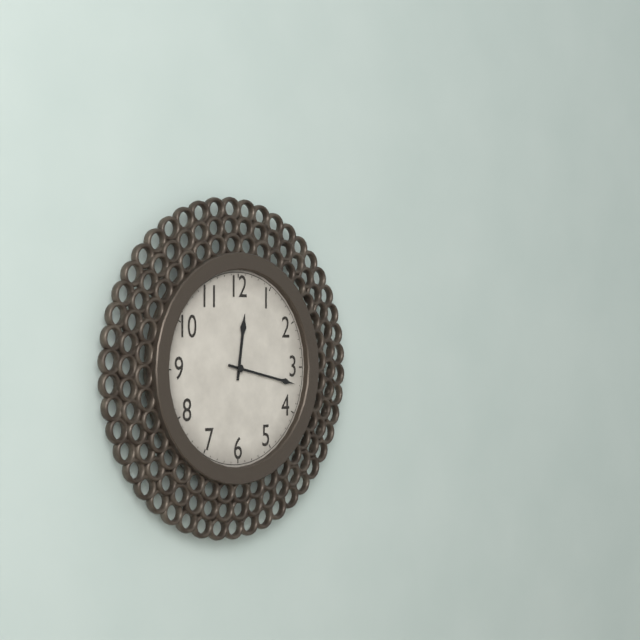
h=12 m=17
